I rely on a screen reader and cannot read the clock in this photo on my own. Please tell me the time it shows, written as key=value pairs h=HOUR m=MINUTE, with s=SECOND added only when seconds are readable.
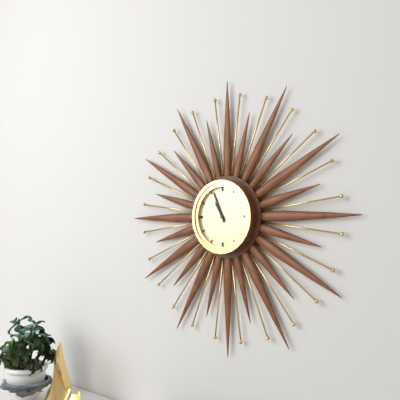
h=10 m=56
